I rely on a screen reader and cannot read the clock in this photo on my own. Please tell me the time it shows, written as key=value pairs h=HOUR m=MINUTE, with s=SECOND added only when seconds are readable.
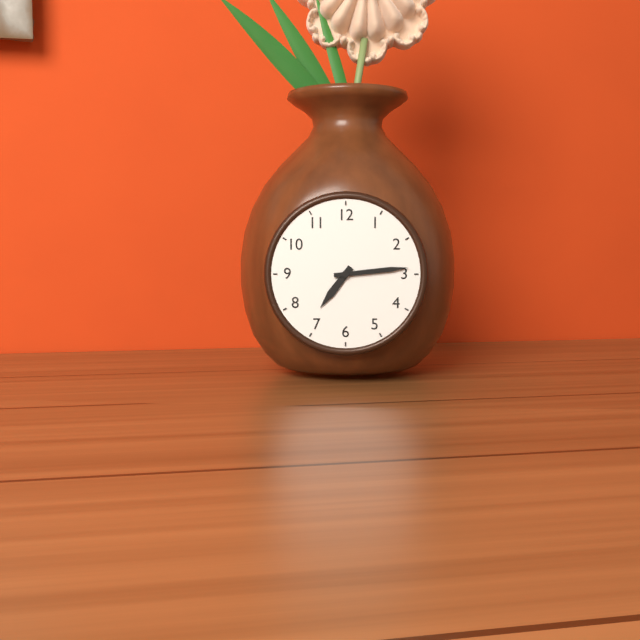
h=7 m=14
